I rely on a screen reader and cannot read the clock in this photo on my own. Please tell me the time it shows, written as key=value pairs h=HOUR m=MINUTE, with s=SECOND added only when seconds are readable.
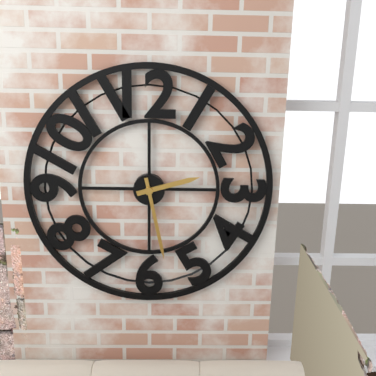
h=2 m=28
